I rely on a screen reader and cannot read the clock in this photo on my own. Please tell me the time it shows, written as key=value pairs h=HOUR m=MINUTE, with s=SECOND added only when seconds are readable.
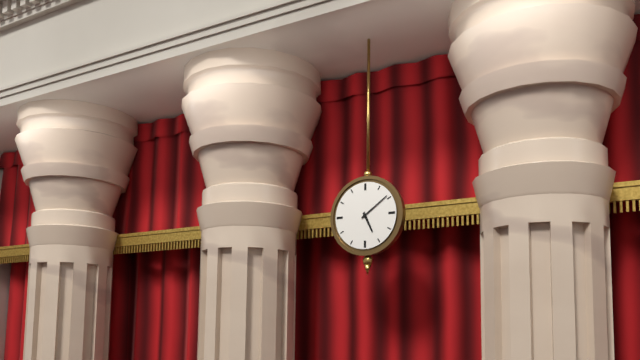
h=5 m=9
